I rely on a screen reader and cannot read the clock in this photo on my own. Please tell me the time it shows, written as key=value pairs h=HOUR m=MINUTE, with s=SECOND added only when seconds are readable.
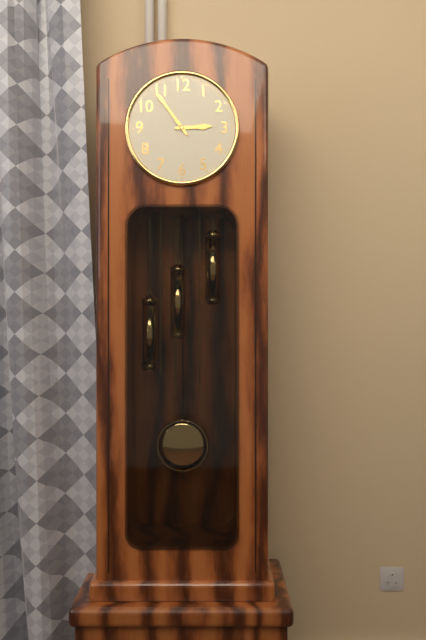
h=2 m=54
